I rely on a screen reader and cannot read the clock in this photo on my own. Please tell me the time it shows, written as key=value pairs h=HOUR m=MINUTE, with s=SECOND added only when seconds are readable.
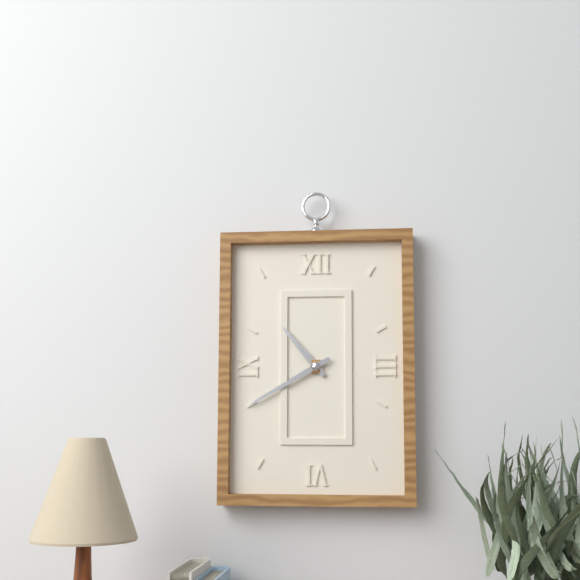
h=10 m=40
